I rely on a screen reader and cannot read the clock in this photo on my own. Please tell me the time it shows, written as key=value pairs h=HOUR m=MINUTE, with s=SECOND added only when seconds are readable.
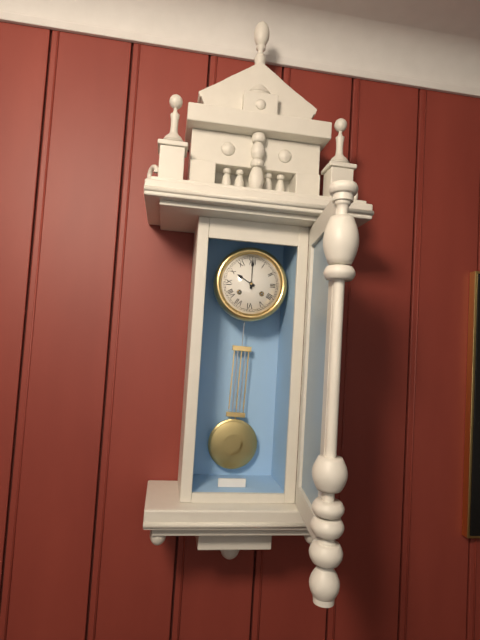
h=10 m=0
